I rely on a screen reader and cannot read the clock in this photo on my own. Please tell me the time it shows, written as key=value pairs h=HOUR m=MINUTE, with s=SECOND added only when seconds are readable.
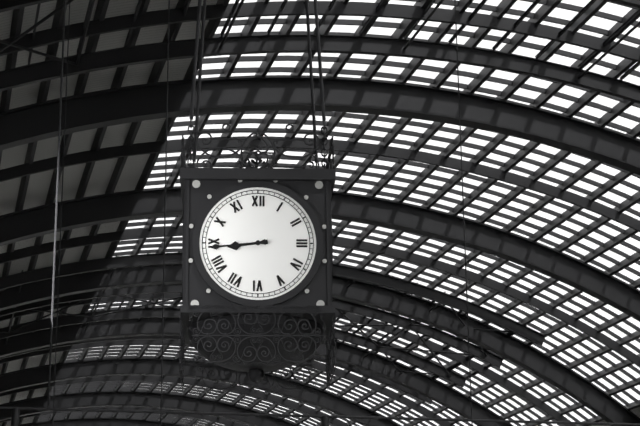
h=8 m=44
